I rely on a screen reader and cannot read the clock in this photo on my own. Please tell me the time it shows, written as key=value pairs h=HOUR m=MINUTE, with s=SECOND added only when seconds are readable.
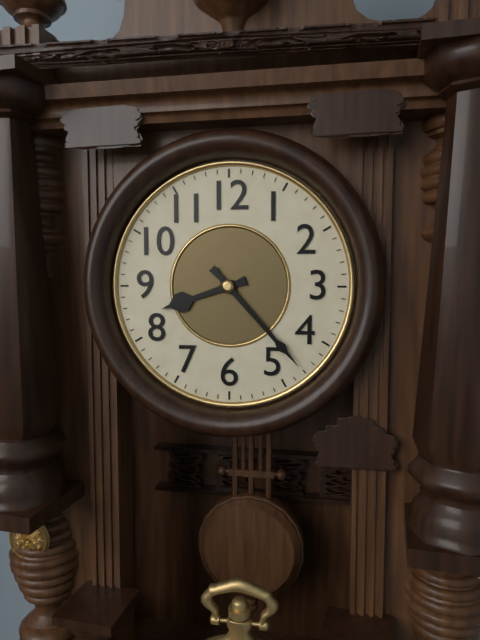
h=8 m=23
